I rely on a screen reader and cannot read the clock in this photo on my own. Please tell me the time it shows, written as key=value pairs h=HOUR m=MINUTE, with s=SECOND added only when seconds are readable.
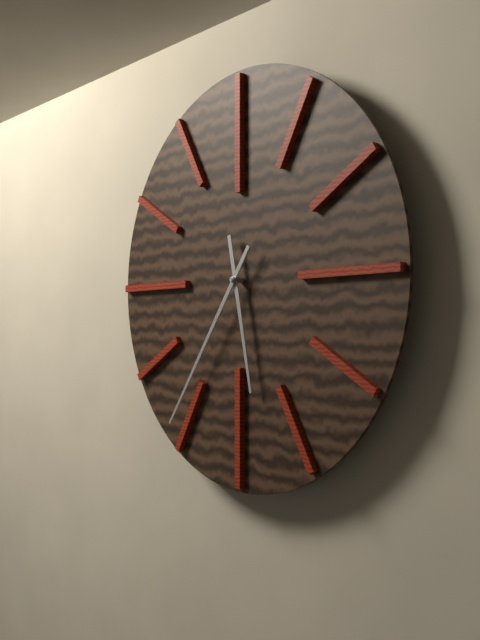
h=5 m=36
